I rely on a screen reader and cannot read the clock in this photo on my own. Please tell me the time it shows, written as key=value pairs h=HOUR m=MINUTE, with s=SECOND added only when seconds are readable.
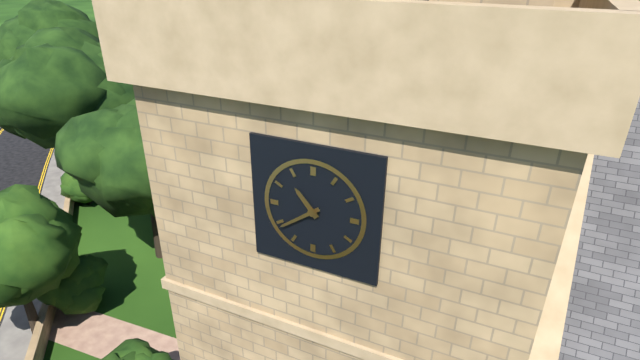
h=10 m=39
